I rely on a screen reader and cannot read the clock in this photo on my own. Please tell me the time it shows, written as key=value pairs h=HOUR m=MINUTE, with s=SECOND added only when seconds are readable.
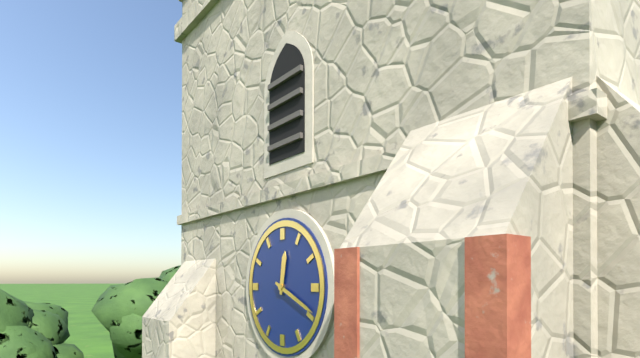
h=12 m=19
